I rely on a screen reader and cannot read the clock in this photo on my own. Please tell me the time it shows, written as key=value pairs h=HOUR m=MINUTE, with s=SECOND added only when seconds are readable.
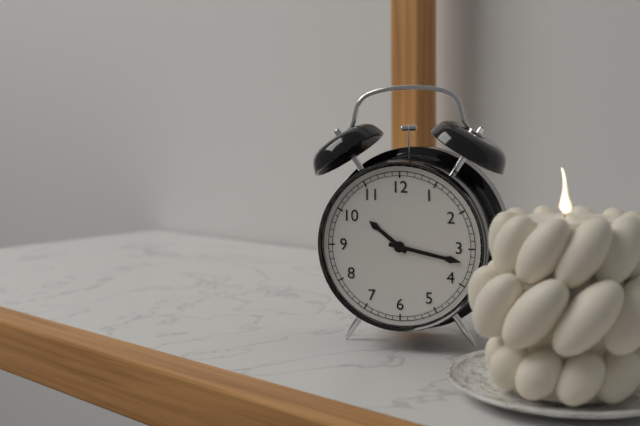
h=10 m=17
